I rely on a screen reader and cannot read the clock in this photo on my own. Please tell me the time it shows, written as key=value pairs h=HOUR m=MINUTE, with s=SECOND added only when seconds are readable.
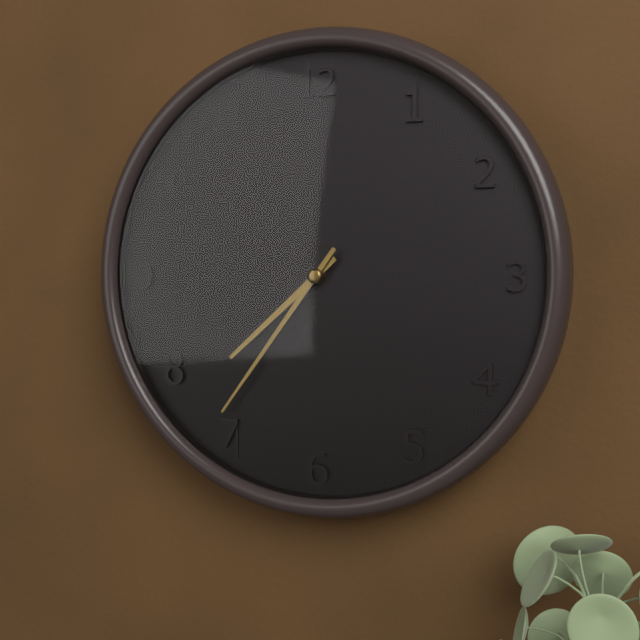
h=7 m=36
